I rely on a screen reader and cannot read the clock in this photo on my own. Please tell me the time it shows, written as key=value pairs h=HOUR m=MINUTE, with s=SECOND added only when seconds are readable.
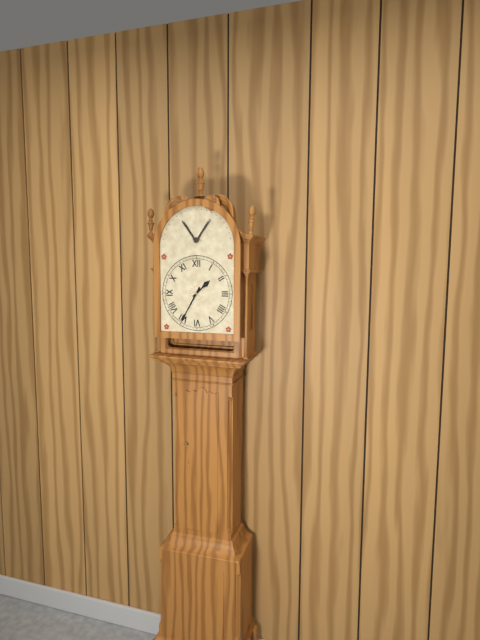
h=1 m=35
